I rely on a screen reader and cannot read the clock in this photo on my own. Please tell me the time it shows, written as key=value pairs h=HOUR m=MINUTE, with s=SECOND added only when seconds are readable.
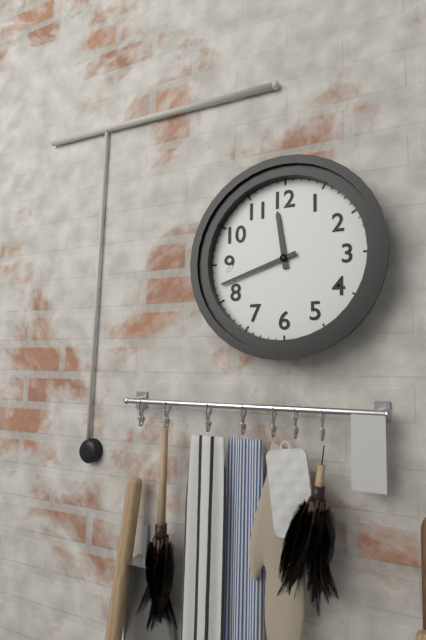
h=11 m=42
